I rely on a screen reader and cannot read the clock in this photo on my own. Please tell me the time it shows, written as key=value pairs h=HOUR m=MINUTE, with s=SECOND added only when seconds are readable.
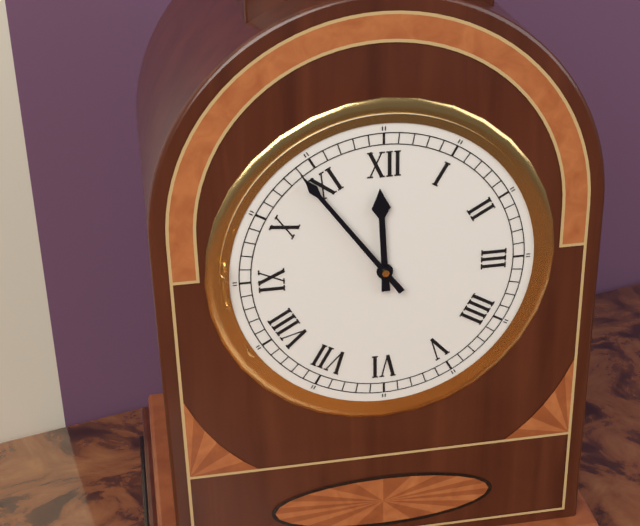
h=11 m=54
